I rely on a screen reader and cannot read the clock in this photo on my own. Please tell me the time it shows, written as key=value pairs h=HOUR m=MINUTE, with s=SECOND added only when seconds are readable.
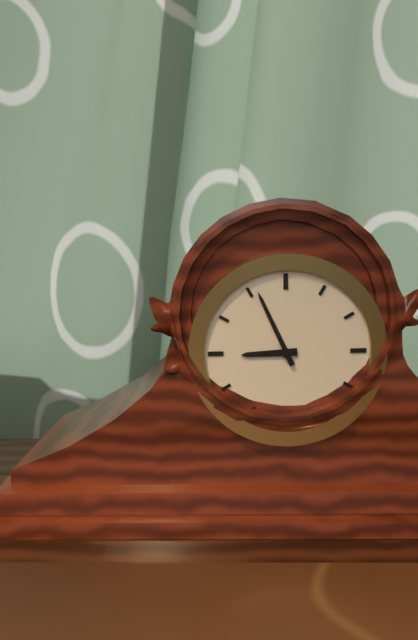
h=8 m=56
